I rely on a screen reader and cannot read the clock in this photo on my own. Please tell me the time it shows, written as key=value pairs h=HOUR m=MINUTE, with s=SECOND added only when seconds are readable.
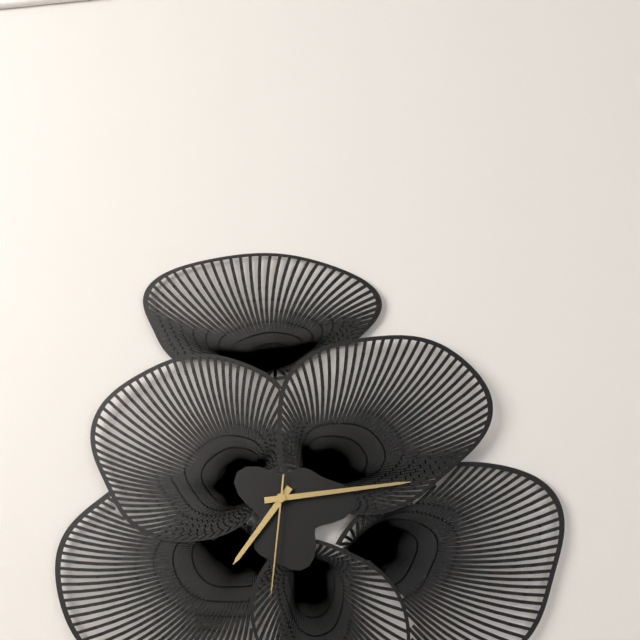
h=7 m=14 s=31
